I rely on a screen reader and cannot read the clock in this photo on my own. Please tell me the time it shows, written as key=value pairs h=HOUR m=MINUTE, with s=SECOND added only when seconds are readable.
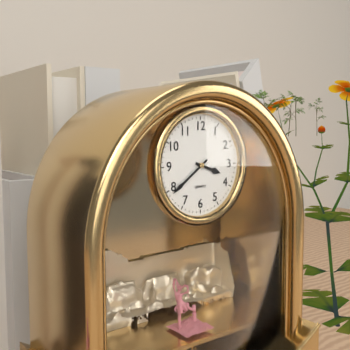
h=3 m=39
